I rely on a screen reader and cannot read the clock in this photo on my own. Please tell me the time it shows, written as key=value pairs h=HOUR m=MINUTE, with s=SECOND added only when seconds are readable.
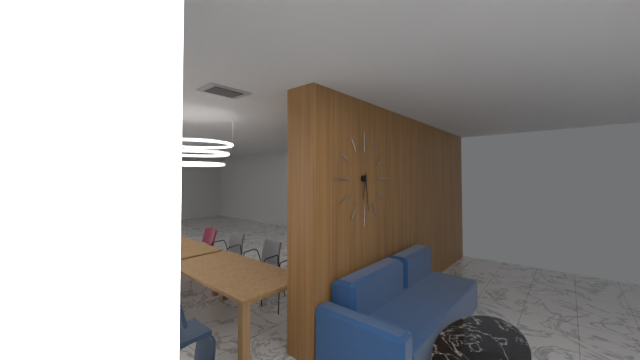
h=6 m=29
